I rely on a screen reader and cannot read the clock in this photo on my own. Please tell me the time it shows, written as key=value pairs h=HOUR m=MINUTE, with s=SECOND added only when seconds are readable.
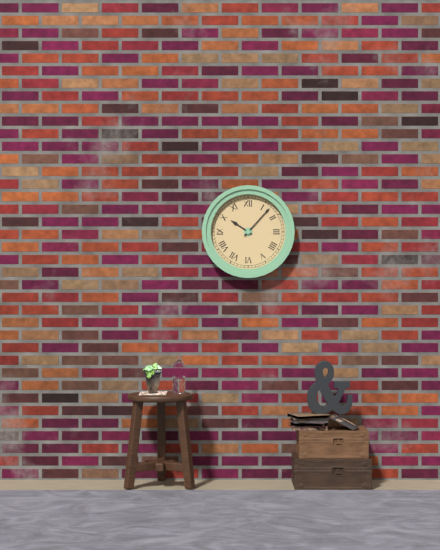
h=10 m=7
